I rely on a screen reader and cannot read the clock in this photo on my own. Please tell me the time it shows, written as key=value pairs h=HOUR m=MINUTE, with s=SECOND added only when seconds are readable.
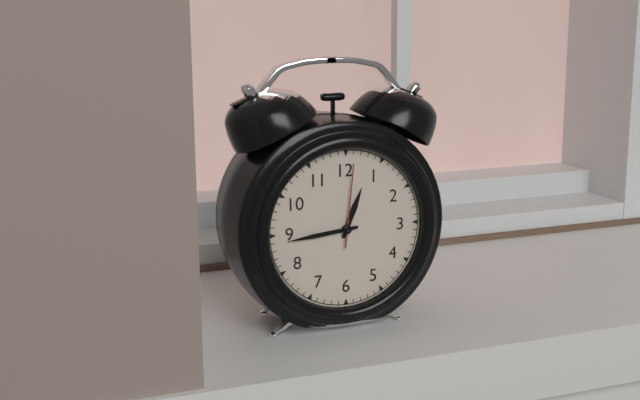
h=12 m=44 s=1
